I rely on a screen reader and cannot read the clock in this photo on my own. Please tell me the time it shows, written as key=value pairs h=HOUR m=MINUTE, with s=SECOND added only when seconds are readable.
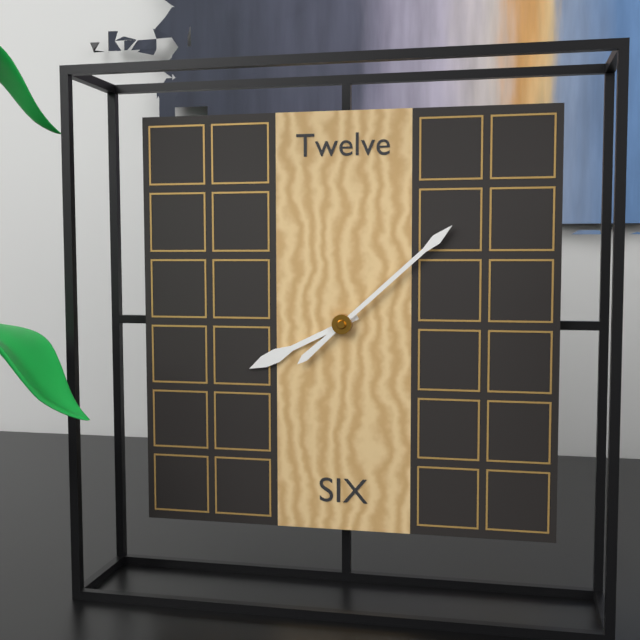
h=8 m=8
